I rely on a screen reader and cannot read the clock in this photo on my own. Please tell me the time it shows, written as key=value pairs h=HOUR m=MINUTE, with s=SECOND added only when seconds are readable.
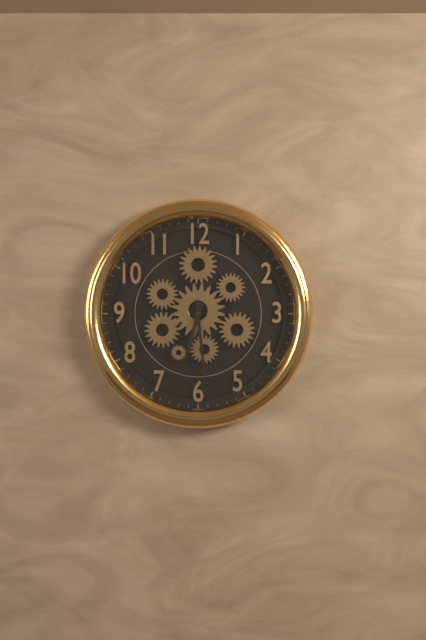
h=6 m=29
